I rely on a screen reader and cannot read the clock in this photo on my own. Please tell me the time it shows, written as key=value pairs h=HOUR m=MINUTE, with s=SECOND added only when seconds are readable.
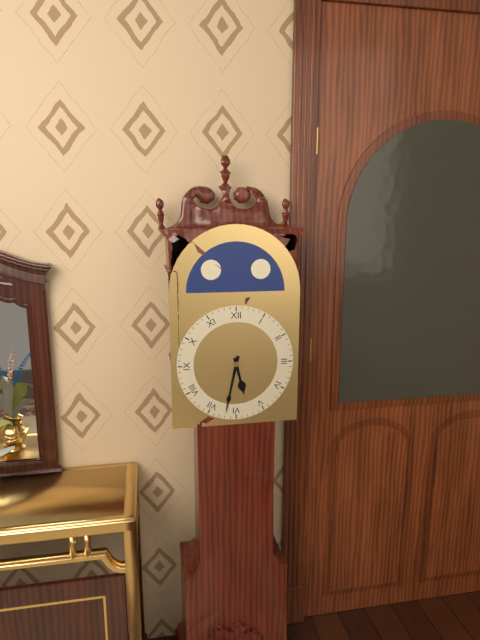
h=5 m=32
